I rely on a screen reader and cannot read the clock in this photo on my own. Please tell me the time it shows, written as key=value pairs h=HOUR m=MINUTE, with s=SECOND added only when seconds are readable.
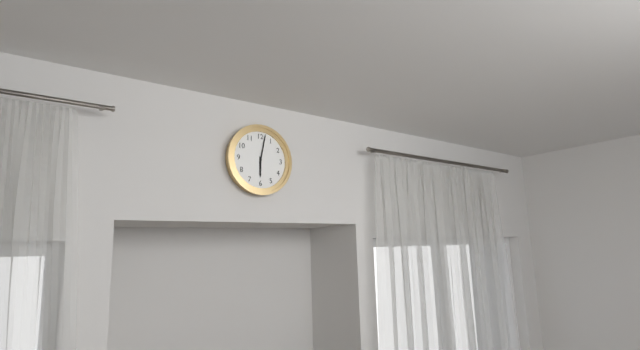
h=6 m=2
